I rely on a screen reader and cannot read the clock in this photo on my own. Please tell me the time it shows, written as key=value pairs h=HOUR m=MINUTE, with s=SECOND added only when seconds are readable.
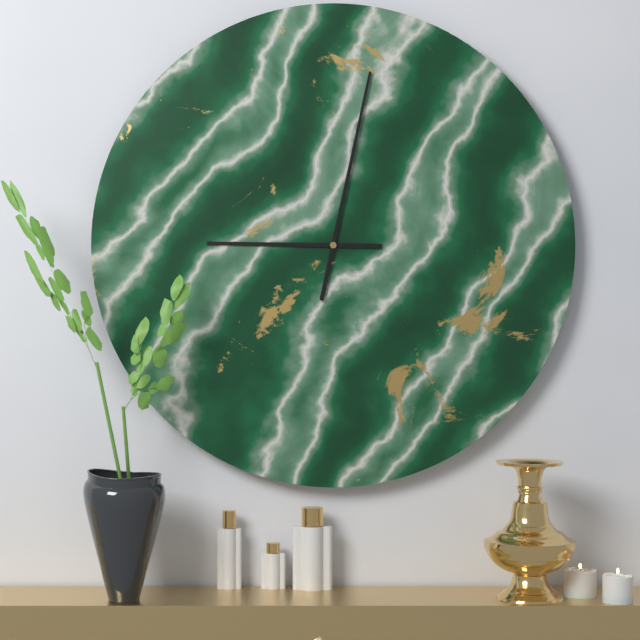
h=9 m=2
